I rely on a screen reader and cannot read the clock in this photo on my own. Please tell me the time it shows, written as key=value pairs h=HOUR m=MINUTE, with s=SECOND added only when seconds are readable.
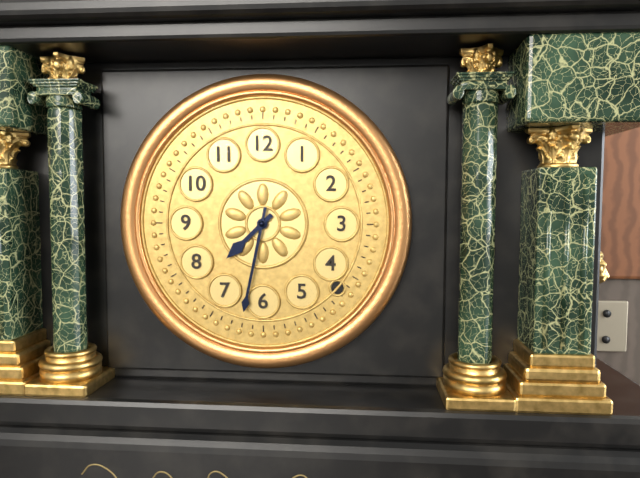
h=7 m=32
